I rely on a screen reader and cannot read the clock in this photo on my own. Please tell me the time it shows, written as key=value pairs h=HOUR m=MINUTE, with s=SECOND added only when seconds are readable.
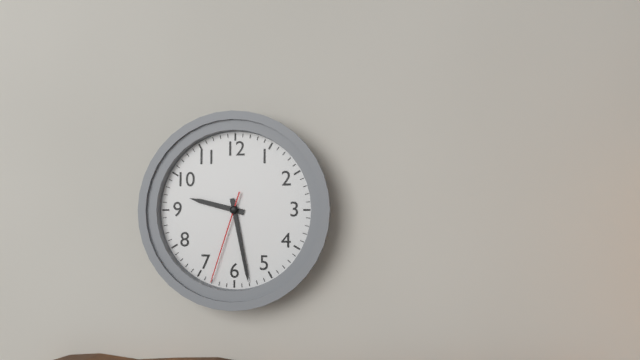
h=9 m=28 s=33
